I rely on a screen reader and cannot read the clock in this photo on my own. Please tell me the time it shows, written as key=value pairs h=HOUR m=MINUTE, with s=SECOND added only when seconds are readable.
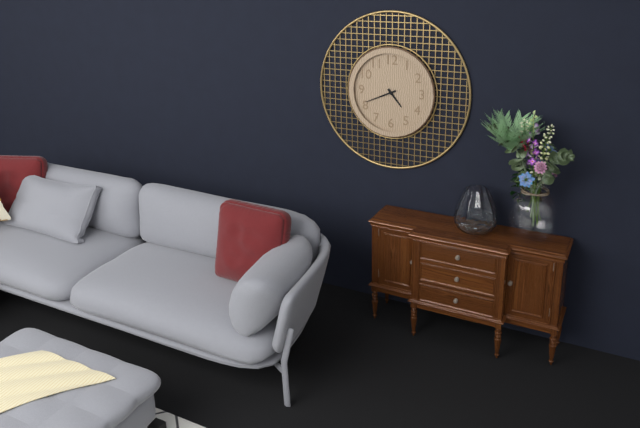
h=4 m=41
